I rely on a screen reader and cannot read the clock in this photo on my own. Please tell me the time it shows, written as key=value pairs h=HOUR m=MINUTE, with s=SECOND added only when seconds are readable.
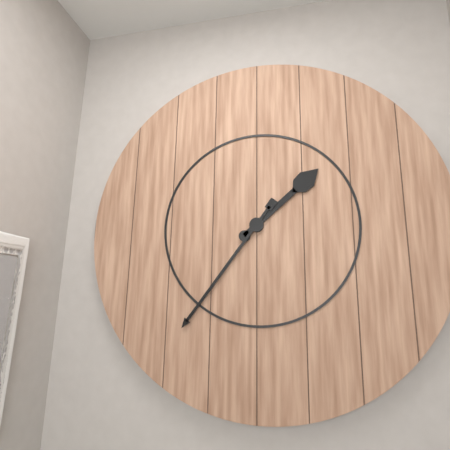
h=1 m=36
